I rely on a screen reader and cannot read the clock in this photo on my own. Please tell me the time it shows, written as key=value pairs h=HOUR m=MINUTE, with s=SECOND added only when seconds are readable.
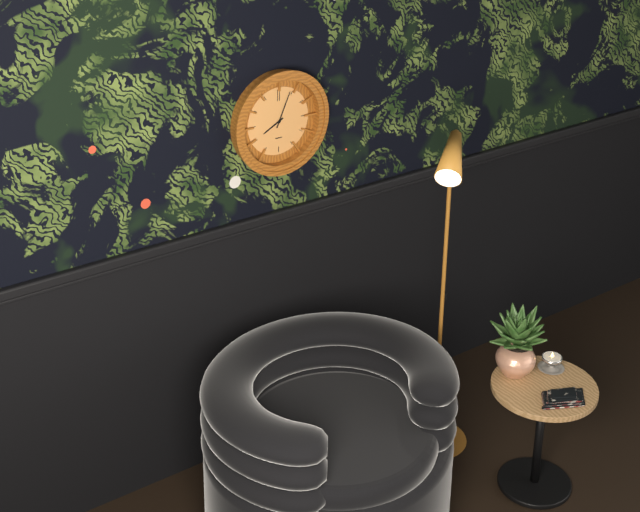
h=8 m=4
